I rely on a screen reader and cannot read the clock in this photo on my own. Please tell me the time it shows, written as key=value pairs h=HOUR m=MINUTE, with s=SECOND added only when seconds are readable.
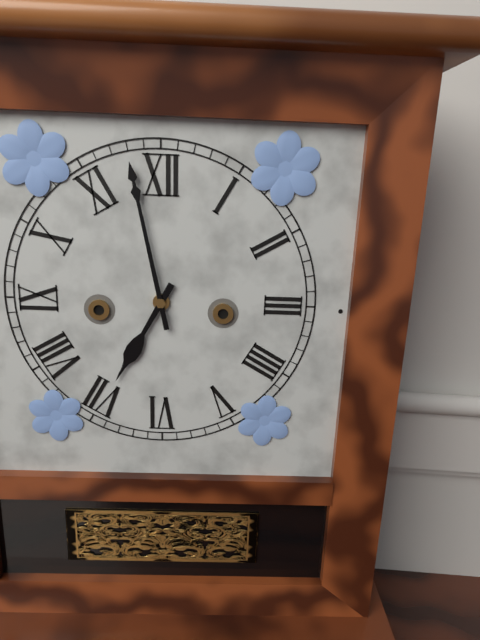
h=6 m=58
